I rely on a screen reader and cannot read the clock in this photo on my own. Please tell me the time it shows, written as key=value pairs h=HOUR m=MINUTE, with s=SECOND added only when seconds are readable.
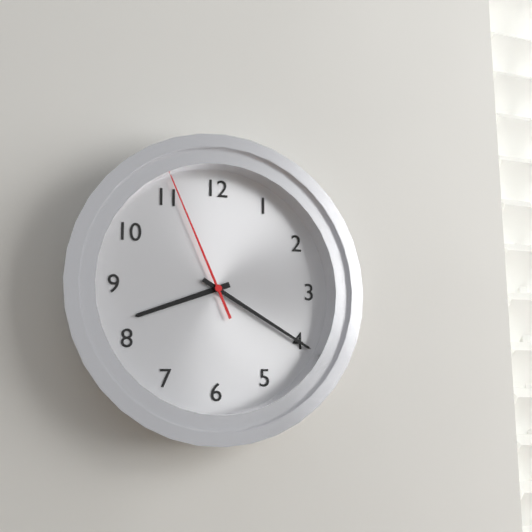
h=8 m=20 s=56
